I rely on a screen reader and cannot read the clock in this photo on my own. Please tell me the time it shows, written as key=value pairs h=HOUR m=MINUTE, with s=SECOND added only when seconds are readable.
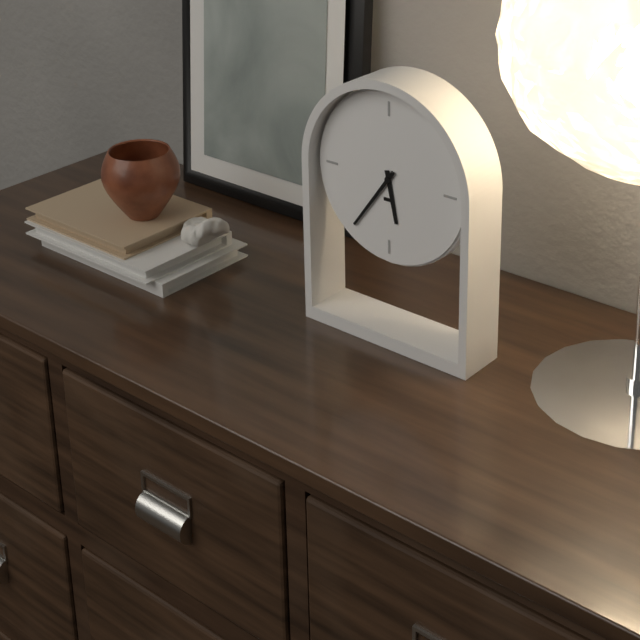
h=5 m=36
